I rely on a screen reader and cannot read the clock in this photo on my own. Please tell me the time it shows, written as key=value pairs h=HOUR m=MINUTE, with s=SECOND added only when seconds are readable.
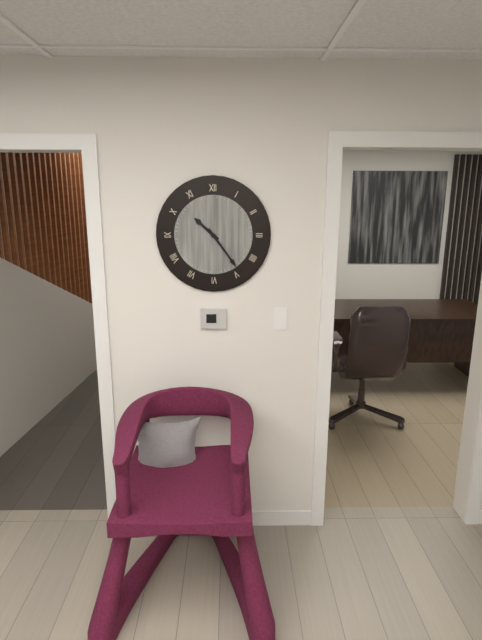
h=10 m=24
